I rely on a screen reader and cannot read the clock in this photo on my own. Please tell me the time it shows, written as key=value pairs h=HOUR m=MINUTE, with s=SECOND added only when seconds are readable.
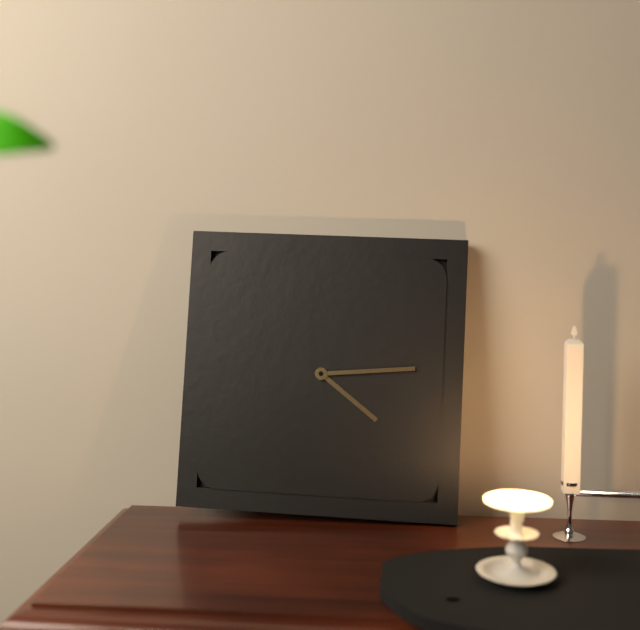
h=4 m=14
